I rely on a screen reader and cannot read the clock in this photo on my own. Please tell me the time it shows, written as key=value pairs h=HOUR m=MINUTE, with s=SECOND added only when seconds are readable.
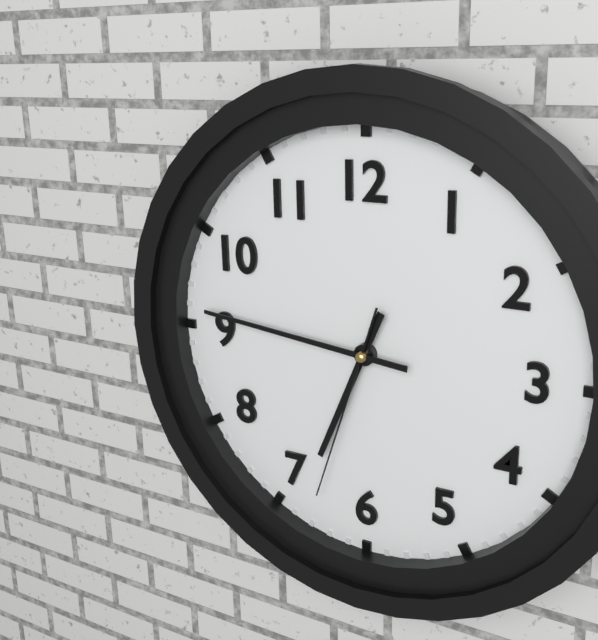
h=6 m=46 s=33
